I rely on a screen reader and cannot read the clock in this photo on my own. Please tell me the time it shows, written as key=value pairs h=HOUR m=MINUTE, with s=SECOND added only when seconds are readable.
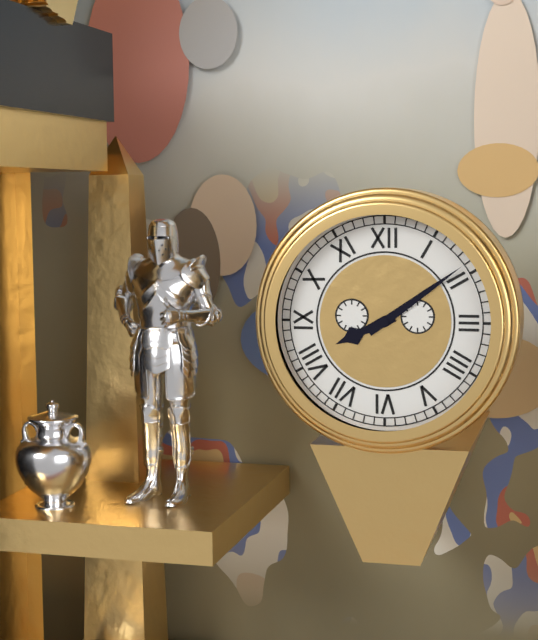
h=8 m=9
